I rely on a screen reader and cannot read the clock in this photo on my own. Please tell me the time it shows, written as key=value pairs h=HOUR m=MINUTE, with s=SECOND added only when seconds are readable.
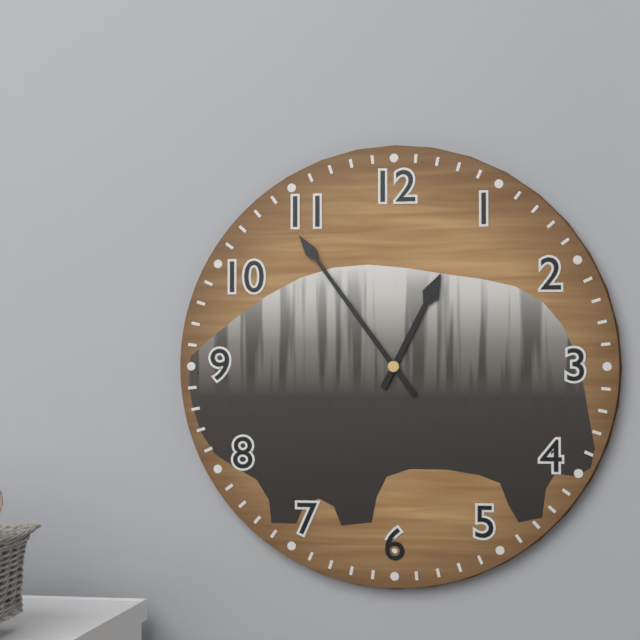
h=12 m=54
